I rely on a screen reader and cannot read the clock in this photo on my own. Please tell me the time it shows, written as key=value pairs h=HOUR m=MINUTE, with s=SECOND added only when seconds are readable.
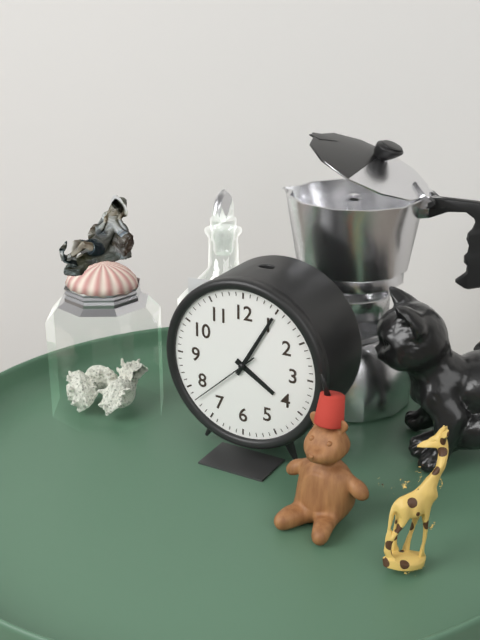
h=4 m=5 s=38
